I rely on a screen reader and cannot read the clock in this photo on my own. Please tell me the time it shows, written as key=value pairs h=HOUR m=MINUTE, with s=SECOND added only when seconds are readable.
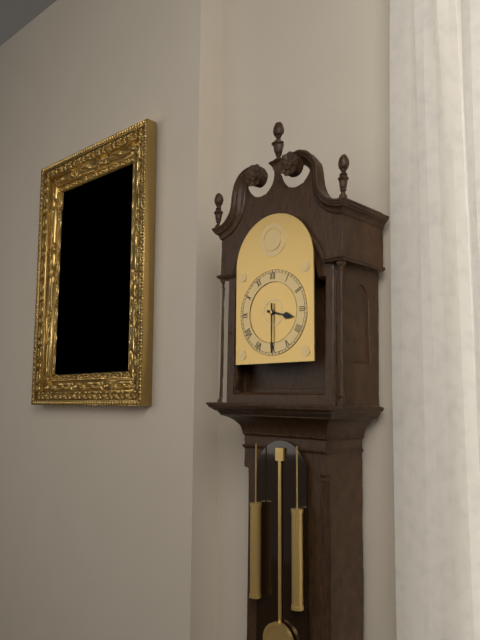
h=3 m=30
